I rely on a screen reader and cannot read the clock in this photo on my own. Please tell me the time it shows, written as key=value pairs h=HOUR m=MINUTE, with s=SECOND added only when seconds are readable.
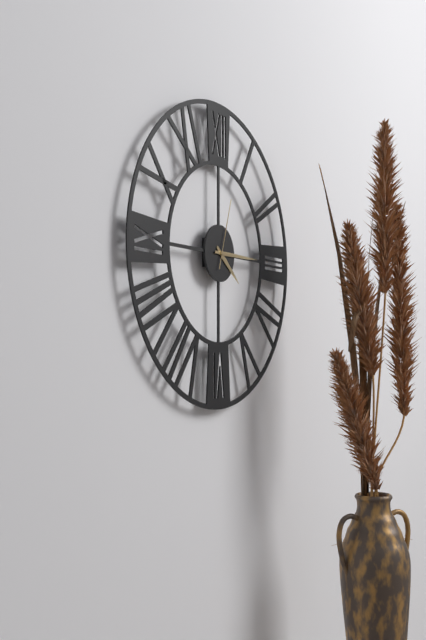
h=4 m=15 s=3
